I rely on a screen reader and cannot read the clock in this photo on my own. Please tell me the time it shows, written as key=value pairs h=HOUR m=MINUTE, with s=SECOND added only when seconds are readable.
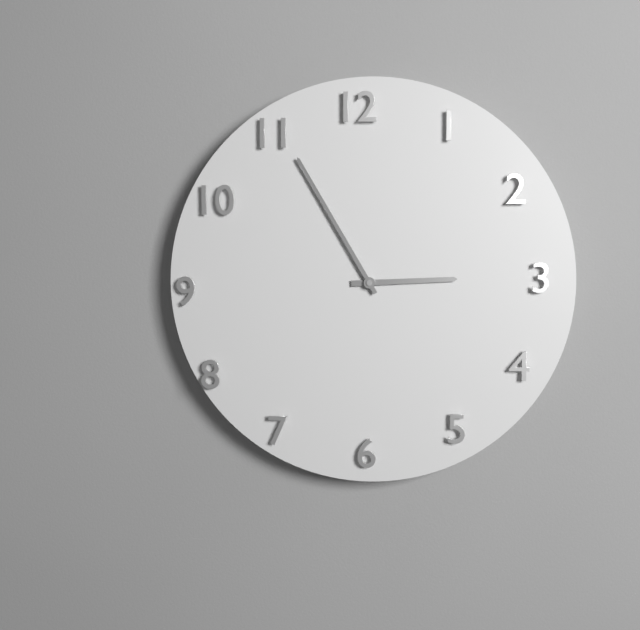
h=2 m=55
